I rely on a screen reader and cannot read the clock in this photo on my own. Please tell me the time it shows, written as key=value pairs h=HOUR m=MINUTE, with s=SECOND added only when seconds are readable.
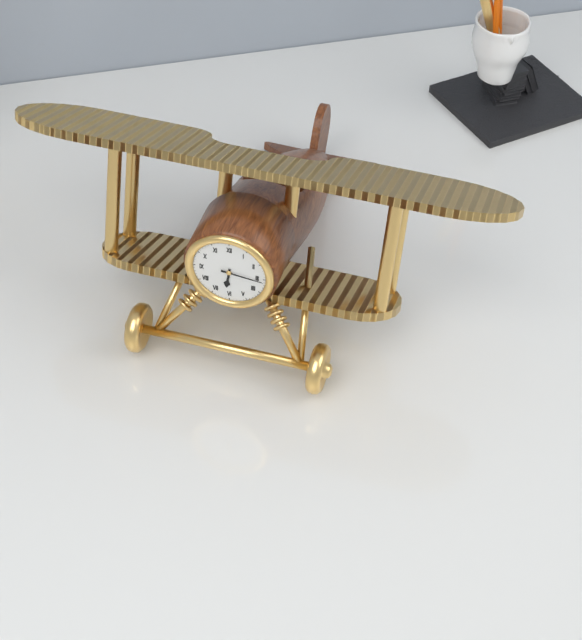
h=6 m=16
